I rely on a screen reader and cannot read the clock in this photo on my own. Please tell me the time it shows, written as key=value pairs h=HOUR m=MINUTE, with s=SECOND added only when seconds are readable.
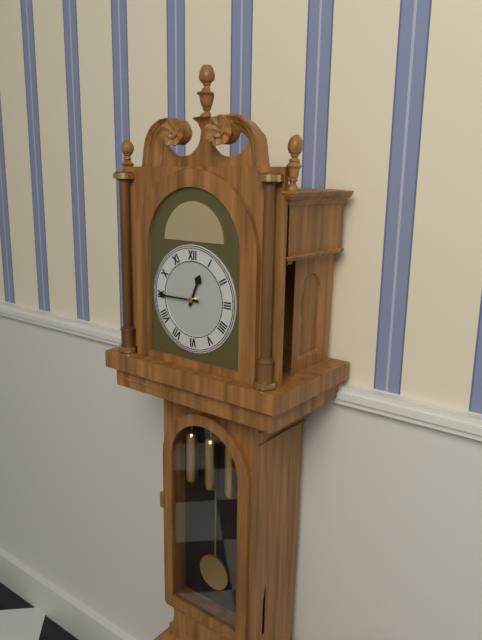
h=12 m=45
